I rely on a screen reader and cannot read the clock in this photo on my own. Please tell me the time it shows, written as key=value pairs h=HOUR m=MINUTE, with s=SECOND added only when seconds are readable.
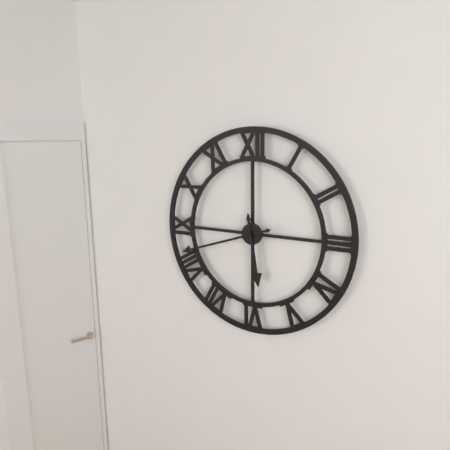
h=5 m=42
